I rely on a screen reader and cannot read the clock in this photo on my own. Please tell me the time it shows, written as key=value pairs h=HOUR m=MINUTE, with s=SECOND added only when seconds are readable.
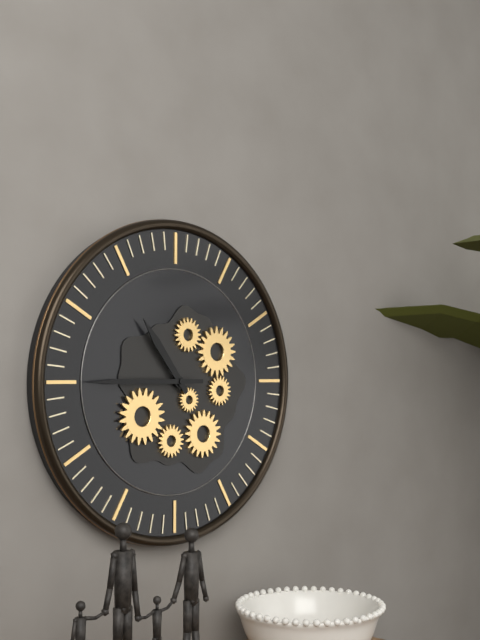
h=10 m=45
